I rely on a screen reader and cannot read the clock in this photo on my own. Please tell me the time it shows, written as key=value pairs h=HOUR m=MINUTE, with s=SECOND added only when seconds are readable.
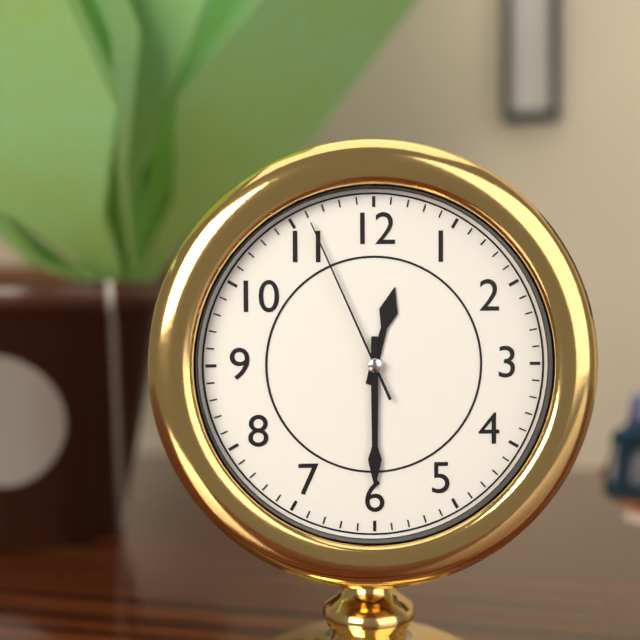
h=12 m=30 s=56
